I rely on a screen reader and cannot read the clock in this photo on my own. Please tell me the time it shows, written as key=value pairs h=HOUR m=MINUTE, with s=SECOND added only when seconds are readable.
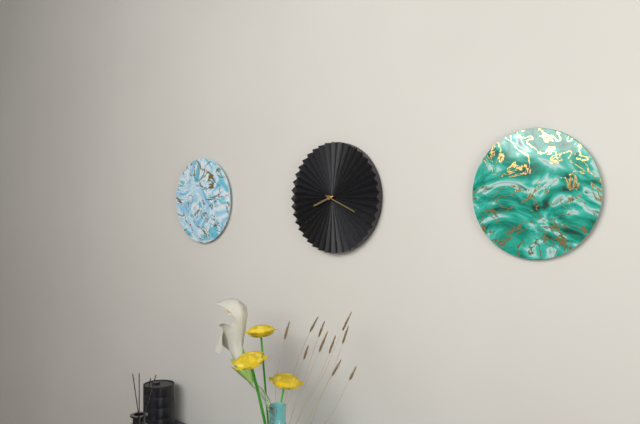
h=8 m=19
